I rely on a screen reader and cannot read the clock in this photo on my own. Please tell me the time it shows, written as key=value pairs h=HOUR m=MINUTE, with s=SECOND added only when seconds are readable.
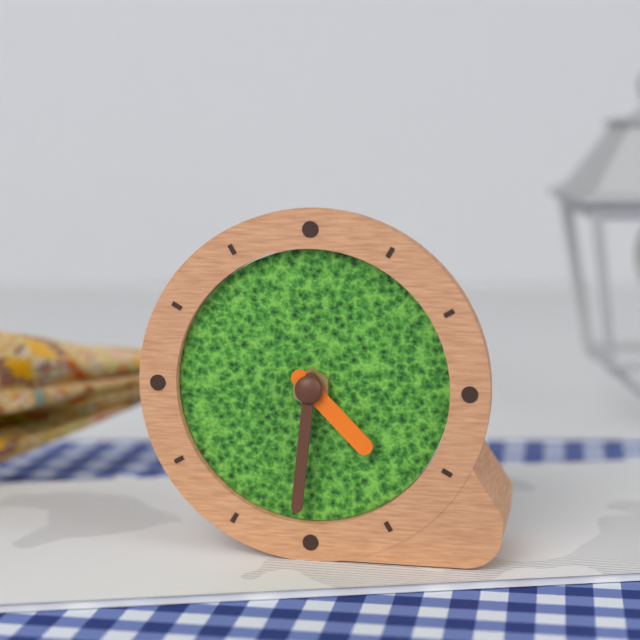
h=4 m=31
